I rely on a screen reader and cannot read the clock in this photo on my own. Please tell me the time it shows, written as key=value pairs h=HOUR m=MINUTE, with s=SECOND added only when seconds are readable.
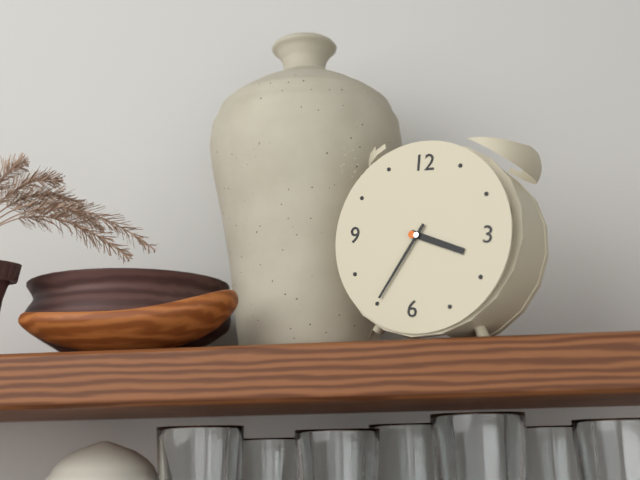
h=3 m=35
